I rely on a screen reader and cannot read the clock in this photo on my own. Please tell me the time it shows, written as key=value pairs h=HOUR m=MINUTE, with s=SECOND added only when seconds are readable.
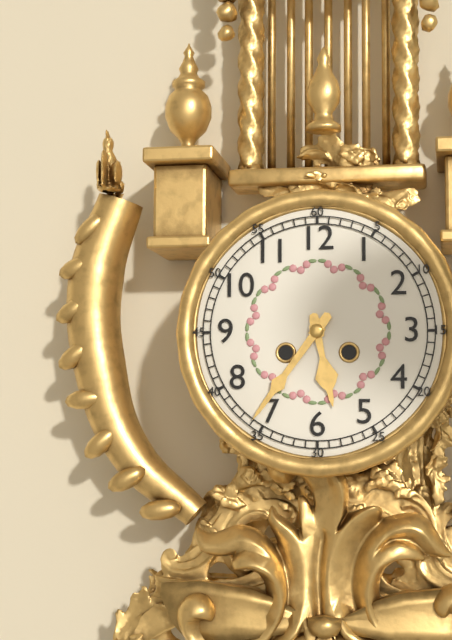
h=5 m=36
